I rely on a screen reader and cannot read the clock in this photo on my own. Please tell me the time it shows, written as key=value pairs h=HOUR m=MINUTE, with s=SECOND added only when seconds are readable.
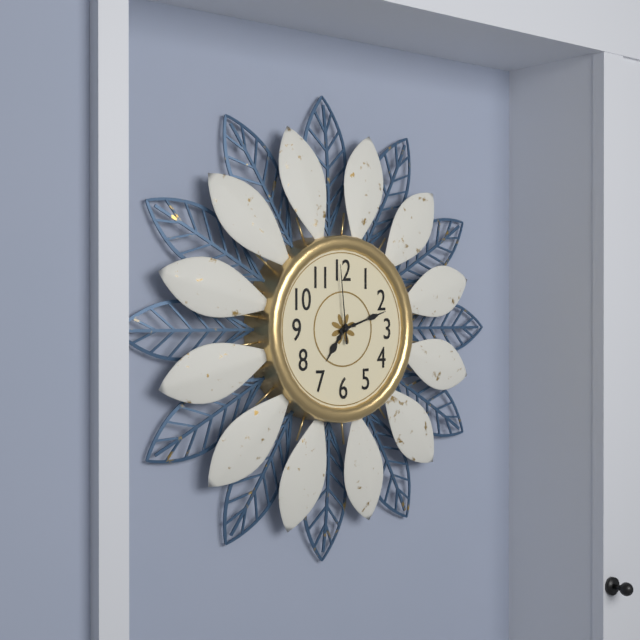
h=7 m=12 s=59
